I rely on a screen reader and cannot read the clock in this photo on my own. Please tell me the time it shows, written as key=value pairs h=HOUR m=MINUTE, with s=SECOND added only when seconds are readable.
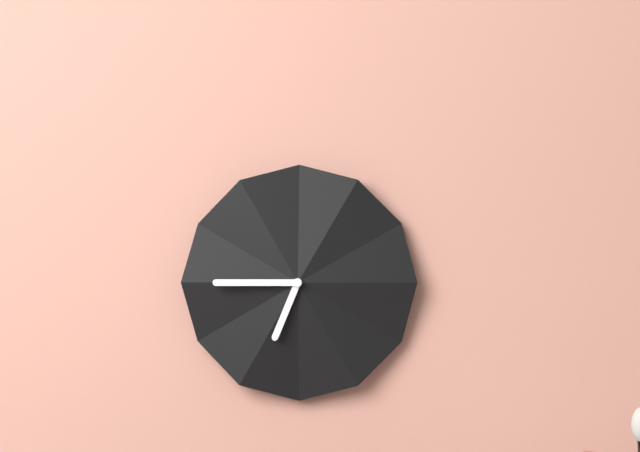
h=6 m=45
